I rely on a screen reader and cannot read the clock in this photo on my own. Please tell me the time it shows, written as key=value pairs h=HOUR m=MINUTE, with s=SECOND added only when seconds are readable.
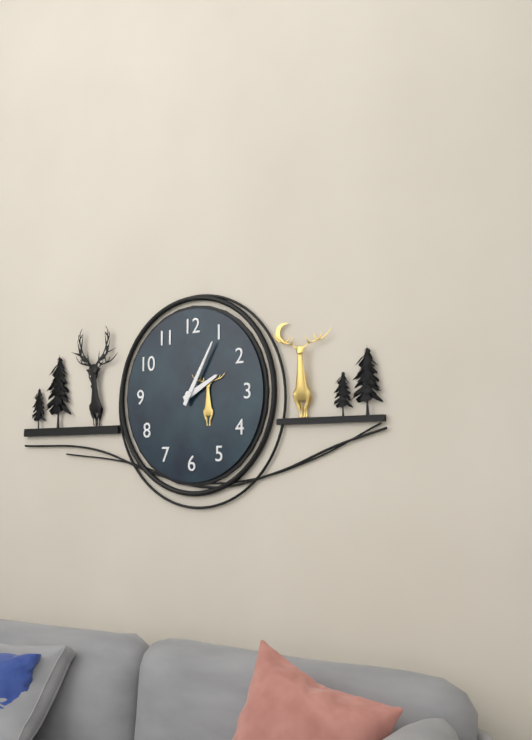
h=2 m=5
